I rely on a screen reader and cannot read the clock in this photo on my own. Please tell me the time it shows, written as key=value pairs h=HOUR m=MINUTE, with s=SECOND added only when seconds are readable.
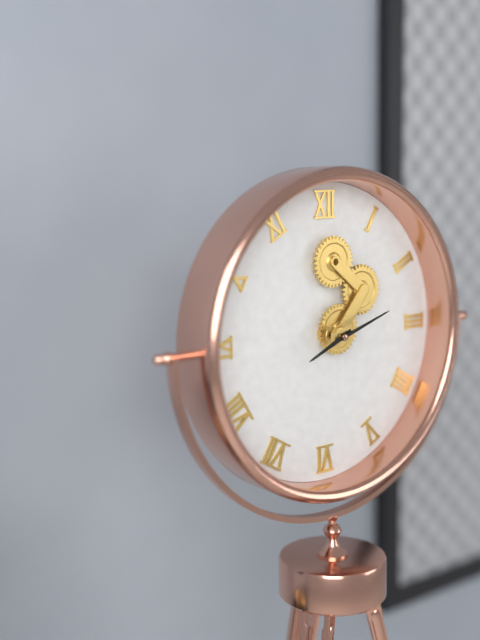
h=8 m=12
